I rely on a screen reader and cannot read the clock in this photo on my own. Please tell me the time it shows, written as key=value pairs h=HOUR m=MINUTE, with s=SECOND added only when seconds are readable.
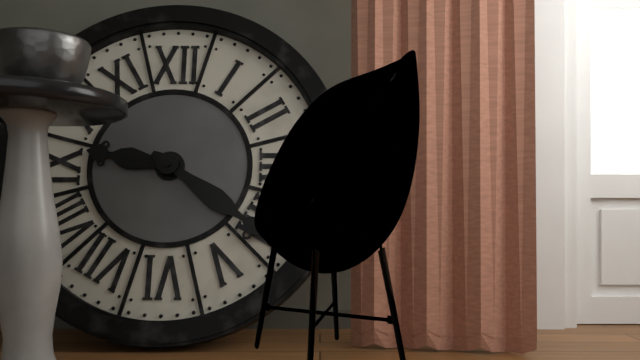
h=9 m=21
